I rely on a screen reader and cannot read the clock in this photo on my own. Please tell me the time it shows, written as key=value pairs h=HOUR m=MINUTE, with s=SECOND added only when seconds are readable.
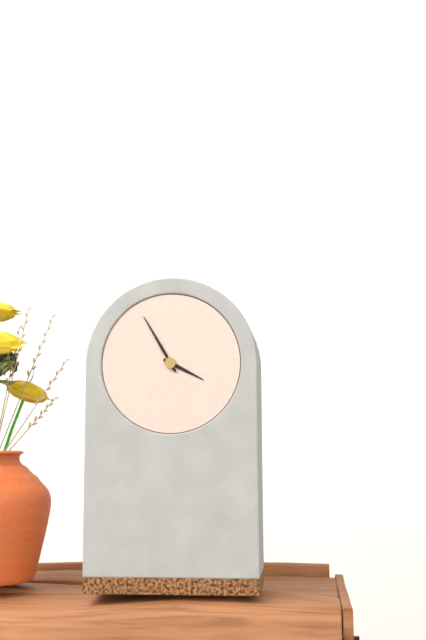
h=3 m=55
